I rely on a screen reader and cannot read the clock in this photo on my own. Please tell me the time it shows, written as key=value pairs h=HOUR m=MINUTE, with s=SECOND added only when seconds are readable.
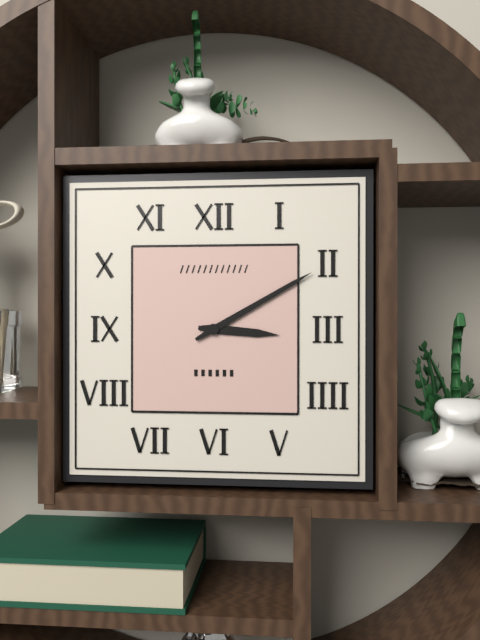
h=3 m=10
